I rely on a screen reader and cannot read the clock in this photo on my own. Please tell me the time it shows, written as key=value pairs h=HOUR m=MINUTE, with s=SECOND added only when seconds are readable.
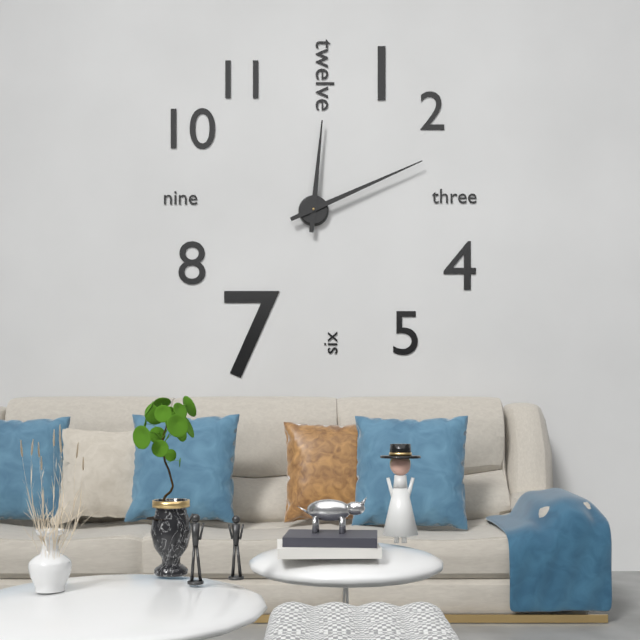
h=12 m=11
